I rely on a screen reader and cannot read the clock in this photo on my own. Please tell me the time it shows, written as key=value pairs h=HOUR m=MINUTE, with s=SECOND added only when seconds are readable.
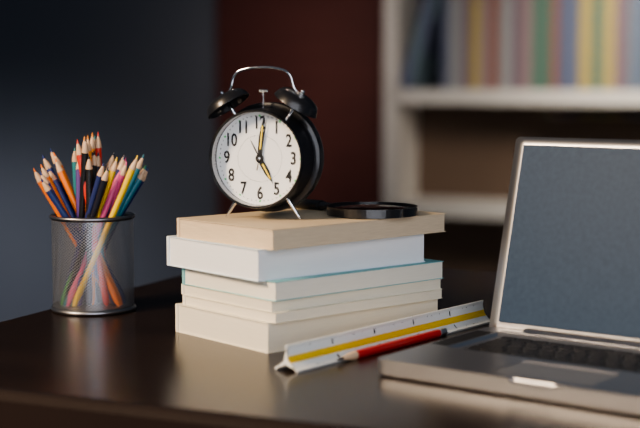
h=5 m=1 s=2
